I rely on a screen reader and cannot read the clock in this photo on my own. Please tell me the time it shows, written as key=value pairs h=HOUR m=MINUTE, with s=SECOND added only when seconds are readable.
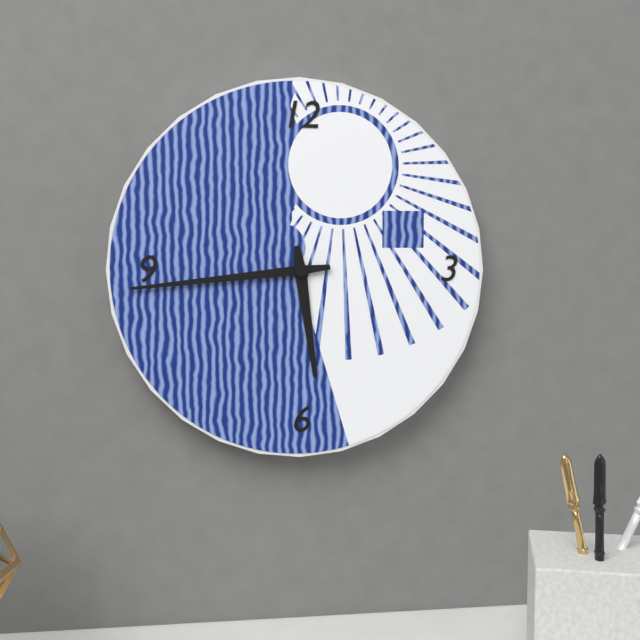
h=5 m=44
